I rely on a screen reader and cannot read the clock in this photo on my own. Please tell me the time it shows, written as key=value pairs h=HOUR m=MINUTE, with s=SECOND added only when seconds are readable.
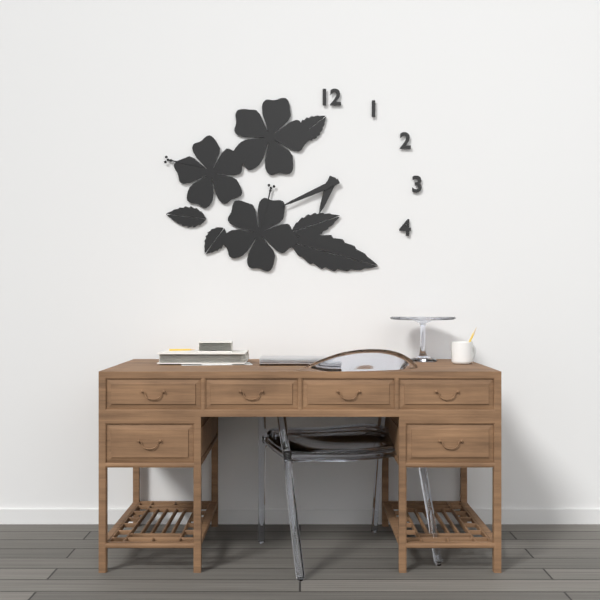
h=6 m=41
